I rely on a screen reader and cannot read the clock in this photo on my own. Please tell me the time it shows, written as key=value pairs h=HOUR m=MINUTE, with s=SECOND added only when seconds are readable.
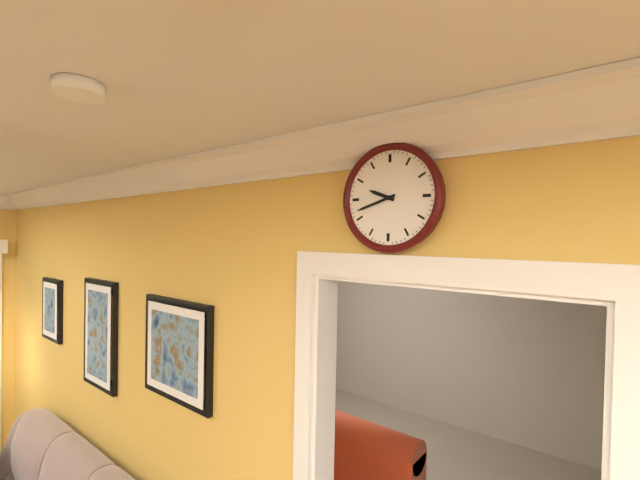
h=9 m=42
